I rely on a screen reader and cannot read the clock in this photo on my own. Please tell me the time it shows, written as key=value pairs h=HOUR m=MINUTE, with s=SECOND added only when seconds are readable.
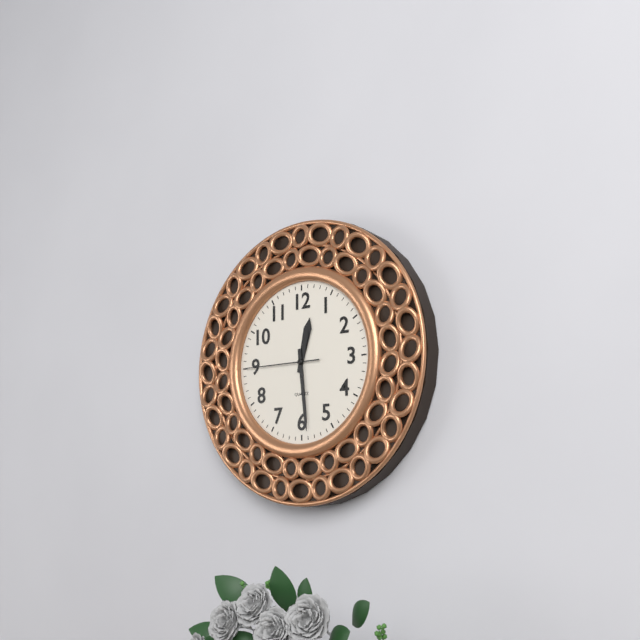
h=12 m=29 s=45
